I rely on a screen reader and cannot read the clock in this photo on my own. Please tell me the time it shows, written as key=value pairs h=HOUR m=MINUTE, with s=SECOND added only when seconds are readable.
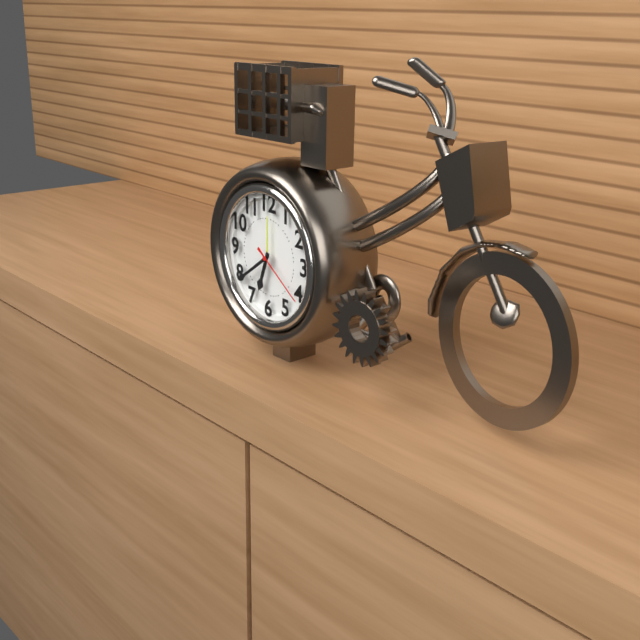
h=6 m=39 s=21
